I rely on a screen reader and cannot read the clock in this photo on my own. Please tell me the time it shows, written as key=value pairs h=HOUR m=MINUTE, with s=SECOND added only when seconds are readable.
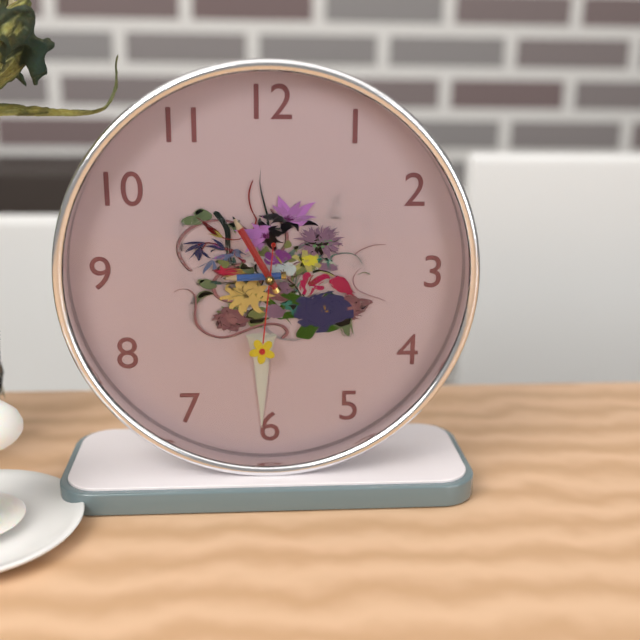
h=8 m=55 s=31
